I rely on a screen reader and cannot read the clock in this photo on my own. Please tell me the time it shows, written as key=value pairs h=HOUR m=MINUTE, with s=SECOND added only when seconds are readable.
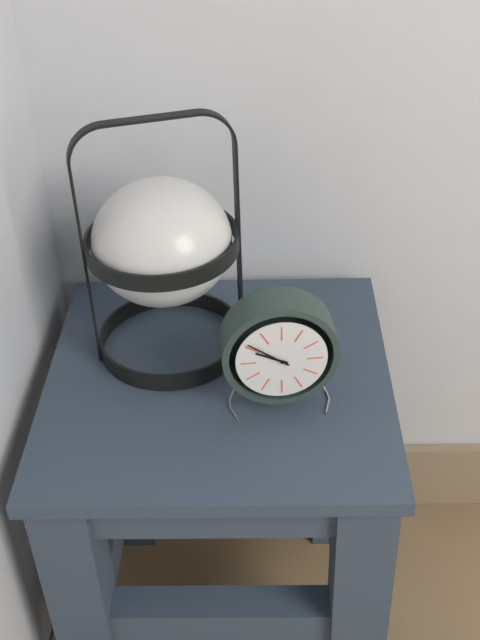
h=9 m=51
